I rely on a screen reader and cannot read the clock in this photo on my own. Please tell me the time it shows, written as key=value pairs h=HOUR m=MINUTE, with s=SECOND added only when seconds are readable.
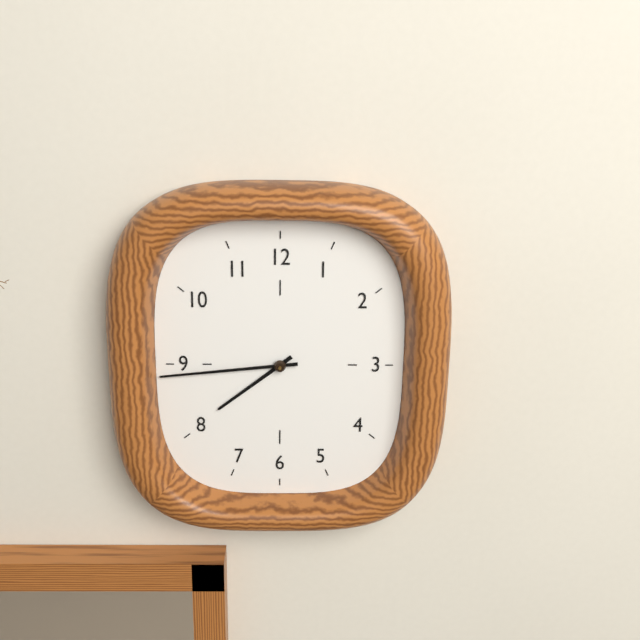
h=7 m=44
